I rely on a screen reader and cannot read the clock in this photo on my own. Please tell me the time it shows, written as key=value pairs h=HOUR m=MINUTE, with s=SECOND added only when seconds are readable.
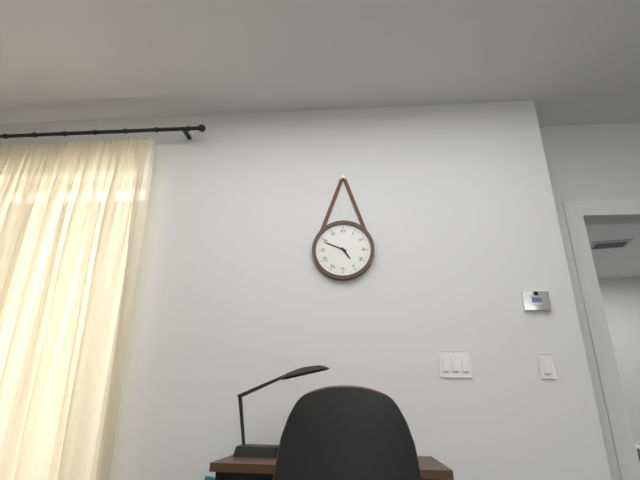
h=4 m=49
